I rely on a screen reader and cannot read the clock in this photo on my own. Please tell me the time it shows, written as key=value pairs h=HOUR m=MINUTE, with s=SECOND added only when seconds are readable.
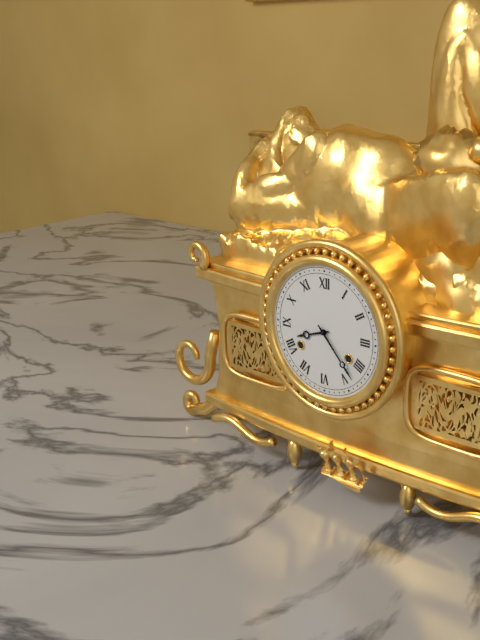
h=8 m=23
